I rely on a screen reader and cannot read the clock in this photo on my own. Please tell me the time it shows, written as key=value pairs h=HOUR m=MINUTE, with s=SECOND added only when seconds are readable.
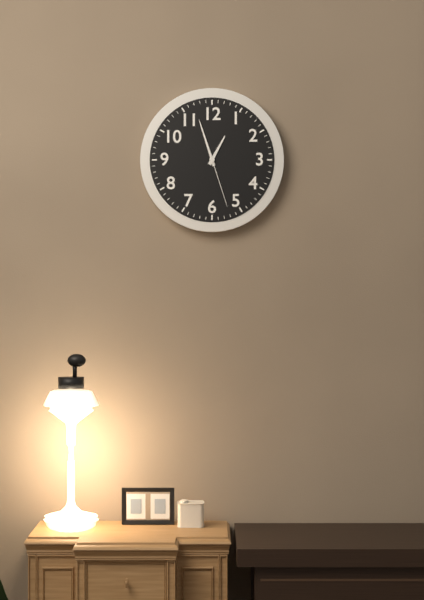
h=12 m=57 s=27
